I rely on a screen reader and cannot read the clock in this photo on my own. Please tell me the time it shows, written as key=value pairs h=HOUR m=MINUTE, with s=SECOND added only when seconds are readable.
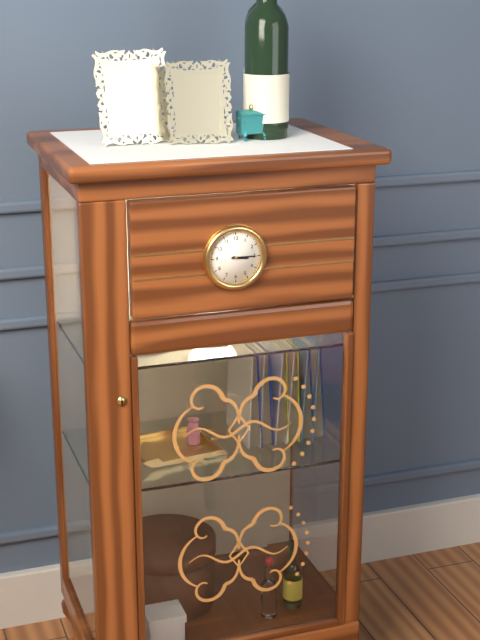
h=3 m=15
